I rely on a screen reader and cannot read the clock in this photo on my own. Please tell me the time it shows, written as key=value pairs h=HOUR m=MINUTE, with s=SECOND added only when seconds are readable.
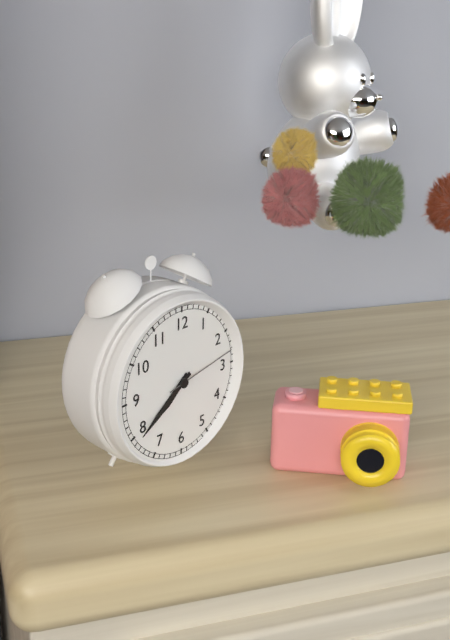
h=7 m=39 s=13
